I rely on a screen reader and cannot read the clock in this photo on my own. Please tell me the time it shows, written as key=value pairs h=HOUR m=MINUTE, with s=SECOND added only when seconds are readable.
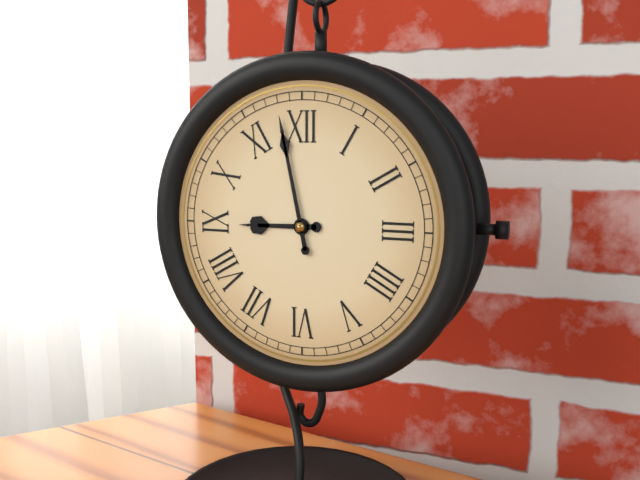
h=8 m=58
